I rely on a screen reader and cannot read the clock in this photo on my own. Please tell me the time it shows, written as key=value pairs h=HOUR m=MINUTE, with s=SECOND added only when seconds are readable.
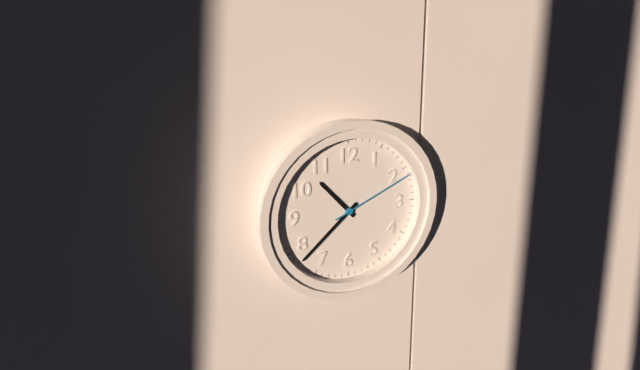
h=10 m=38 s=11
